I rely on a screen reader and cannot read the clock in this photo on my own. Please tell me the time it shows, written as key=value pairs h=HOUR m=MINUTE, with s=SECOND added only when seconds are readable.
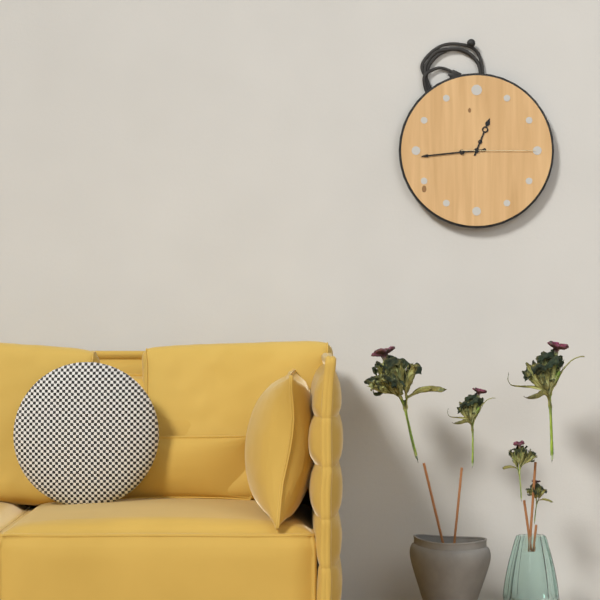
h=12 m=44 s=15
